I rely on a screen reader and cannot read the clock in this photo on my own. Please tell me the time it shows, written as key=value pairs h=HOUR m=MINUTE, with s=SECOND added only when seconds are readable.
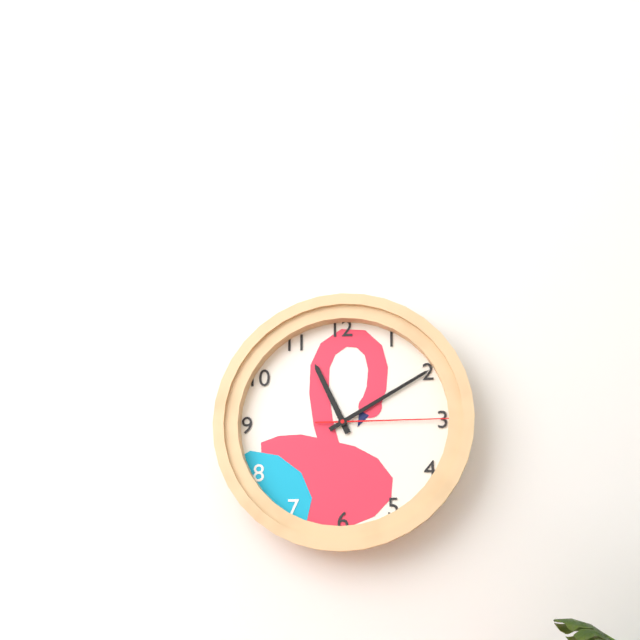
h=11 m=10 s=15
